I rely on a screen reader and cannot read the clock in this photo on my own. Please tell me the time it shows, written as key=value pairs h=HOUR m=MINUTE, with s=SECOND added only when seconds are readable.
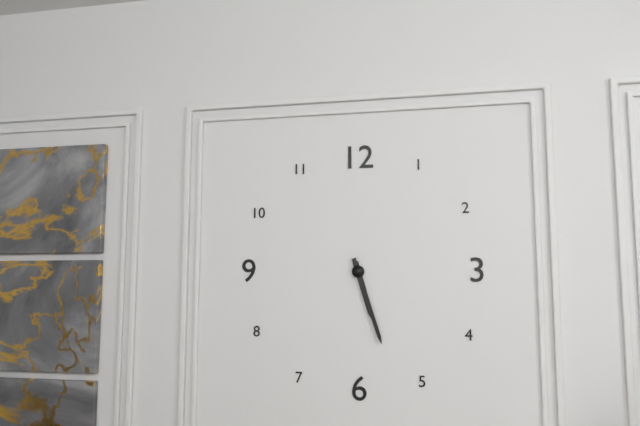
h=5 m=27
